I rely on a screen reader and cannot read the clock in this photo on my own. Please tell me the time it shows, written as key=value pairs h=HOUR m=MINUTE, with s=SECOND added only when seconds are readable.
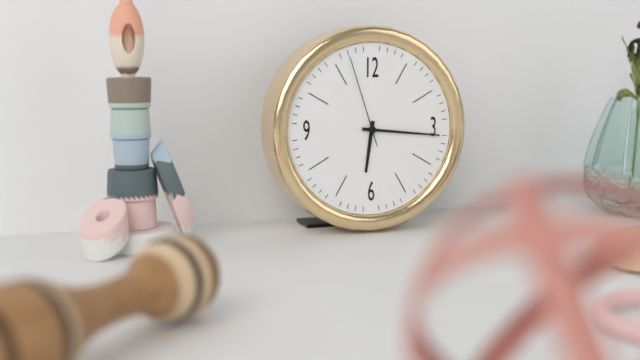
h=6 m=16 s=57
